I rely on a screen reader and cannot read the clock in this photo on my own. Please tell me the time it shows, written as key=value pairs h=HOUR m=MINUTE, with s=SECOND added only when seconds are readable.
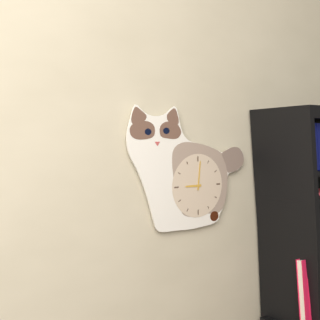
h=9 m=1
